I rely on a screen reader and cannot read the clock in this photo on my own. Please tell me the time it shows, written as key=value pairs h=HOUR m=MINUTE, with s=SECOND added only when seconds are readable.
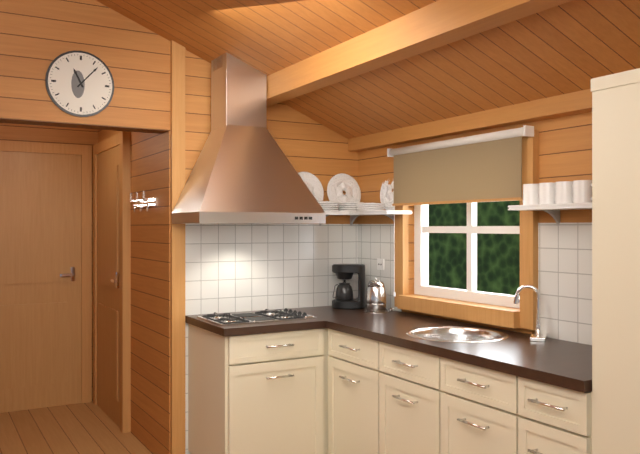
h=11 m=7
